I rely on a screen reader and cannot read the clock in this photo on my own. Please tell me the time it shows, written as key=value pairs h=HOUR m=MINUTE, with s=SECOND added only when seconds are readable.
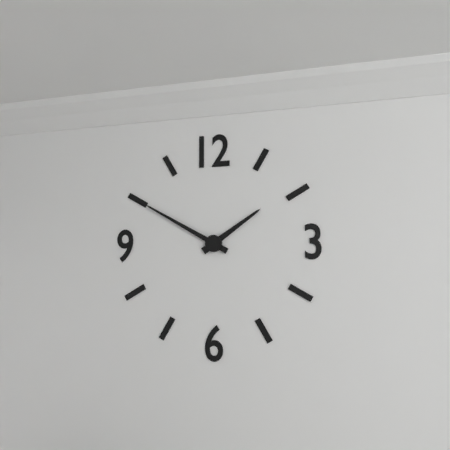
h=1 m=50
